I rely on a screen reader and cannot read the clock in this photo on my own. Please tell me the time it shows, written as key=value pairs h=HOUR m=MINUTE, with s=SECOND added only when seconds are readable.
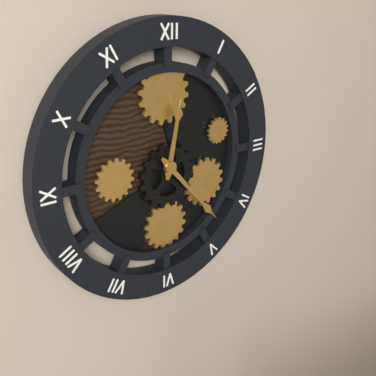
h=12 m=23
